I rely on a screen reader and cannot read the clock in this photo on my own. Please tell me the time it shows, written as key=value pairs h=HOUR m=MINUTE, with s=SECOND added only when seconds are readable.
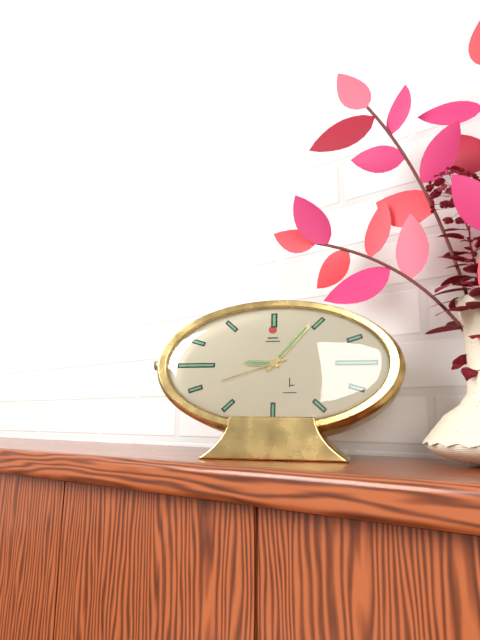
h=9 m=7 s=42
